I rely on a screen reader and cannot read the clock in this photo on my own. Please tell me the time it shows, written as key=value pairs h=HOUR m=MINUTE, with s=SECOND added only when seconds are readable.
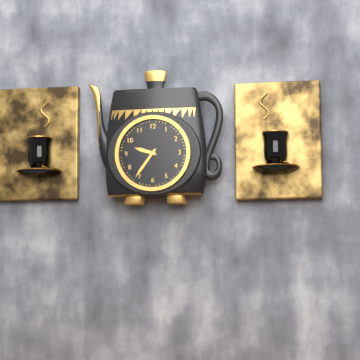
h=9 m=36
